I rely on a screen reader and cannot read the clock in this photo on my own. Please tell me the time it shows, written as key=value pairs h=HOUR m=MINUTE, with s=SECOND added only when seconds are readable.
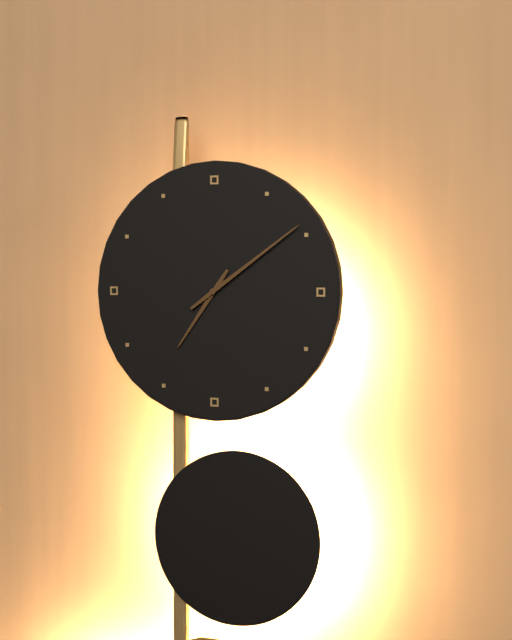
h=7 m=9
